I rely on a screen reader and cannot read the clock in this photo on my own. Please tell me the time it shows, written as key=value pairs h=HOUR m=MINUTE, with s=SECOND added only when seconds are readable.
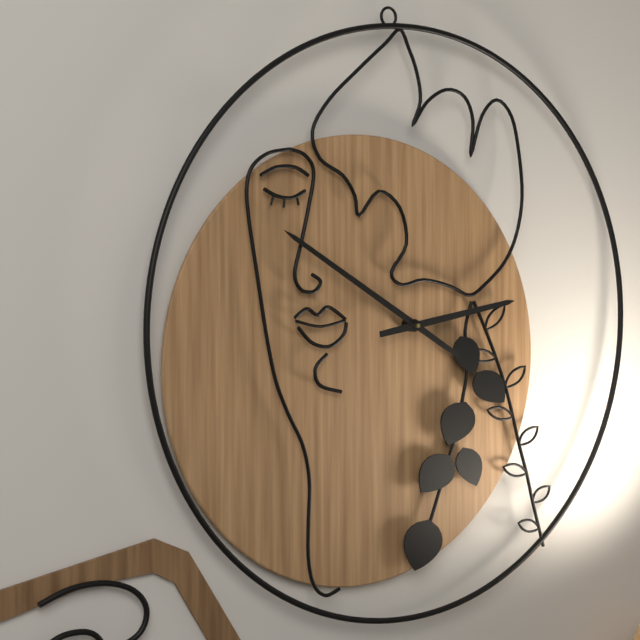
h=2 m=51
